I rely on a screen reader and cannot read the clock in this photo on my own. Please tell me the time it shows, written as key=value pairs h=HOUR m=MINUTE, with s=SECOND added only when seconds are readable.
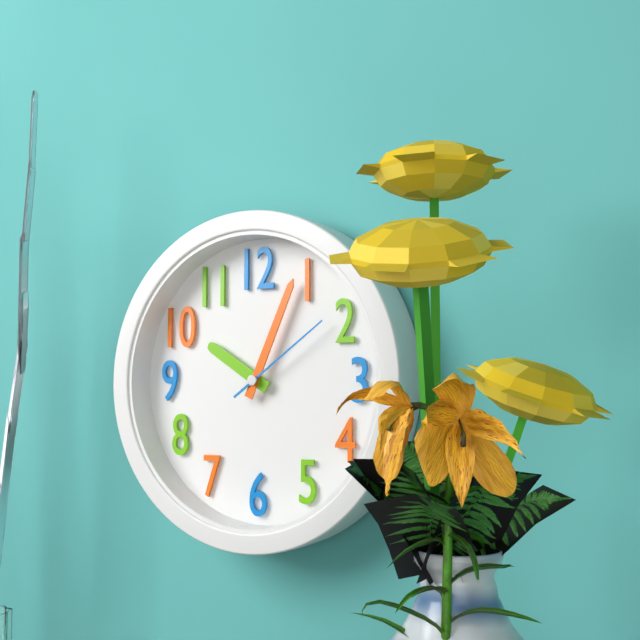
h=10 m=4 s=9
